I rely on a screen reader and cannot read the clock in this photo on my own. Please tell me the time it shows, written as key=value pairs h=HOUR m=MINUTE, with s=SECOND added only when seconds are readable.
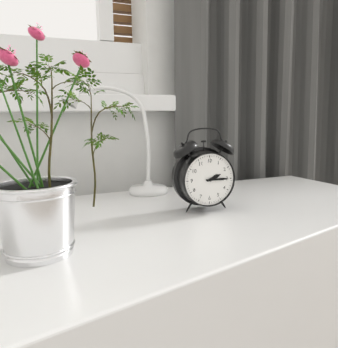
h=2 m=15
